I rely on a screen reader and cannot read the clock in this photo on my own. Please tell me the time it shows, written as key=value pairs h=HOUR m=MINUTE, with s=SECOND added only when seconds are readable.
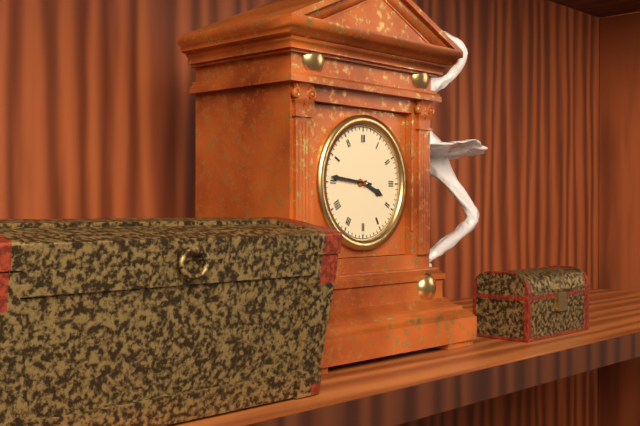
h=3 m=46
